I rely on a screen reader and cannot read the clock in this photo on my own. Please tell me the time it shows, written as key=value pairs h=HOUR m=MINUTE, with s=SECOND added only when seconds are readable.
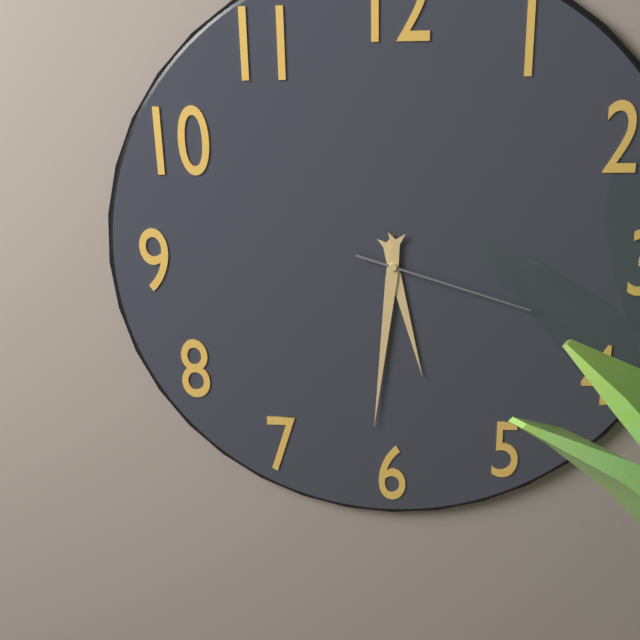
h=5 m=31 s=18
